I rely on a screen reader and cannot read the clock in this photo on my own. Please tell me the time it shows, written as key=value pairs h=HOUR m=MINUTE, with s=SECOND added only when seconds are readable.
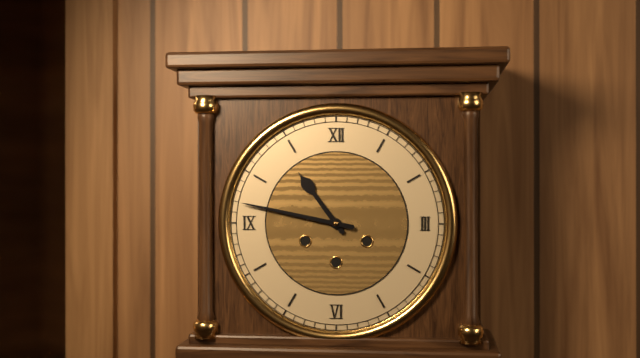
h=10 m=47
